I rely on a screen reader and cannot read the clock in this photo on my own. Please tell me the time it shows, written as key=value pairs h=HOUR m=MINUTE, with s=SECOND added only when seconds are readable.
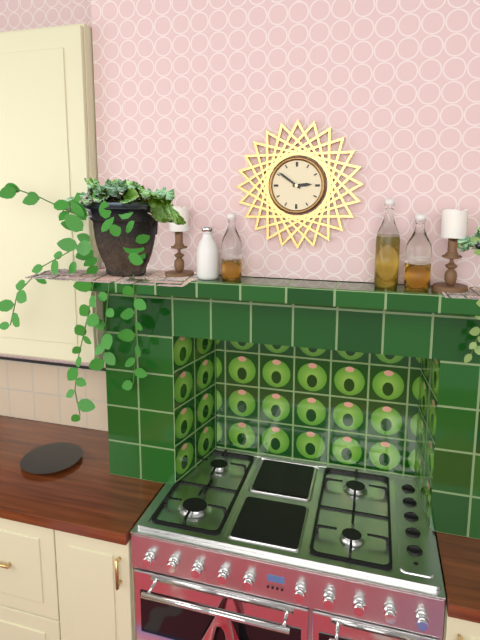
h=2 m=51
